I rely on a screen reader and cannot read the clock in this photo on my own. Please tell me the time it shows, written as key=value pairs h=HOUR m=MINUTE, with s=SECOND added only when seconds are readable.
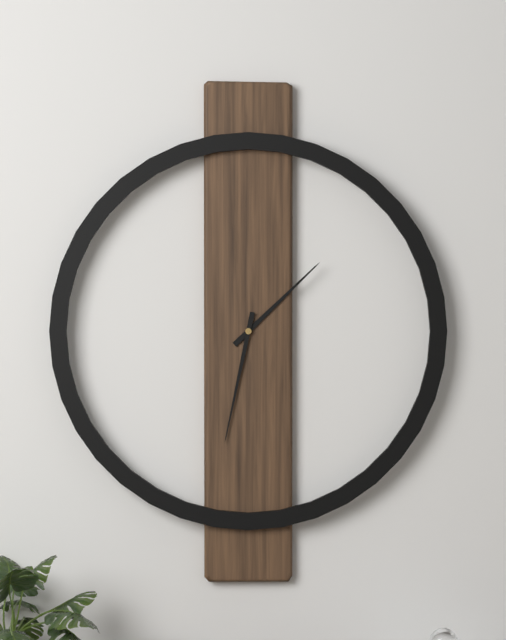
h=1 m=32
